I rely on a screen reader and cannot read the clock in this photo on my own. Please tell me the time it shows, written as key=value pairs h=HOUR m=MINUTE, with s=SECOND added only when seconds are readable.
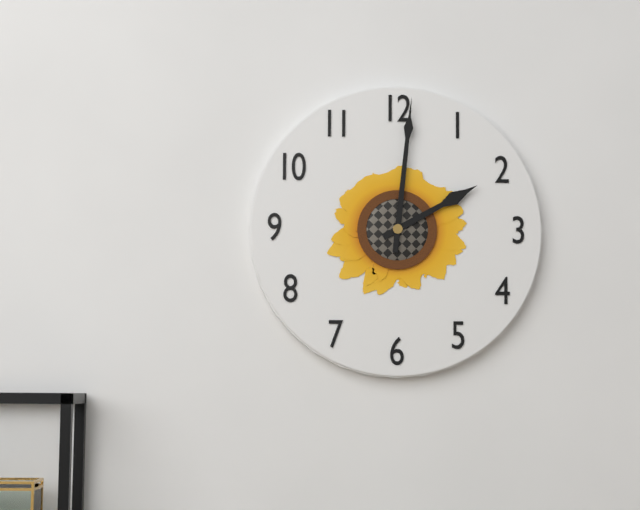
h=2 m=1
